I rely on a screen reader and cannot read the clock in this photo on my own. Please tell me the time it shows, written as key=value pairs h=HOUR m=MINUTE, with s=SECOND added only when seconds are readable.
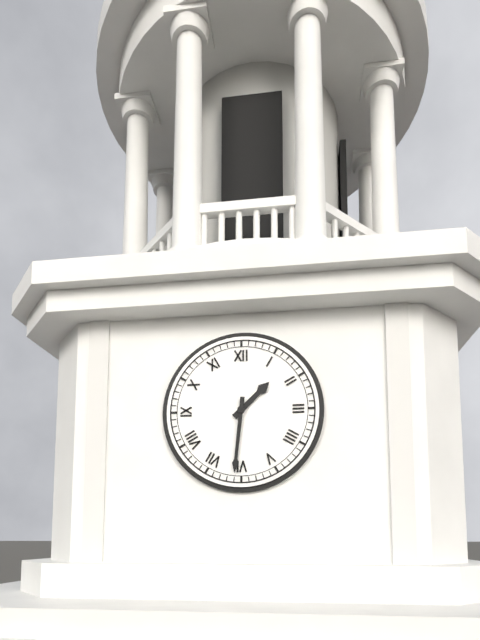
h=1 m=31
